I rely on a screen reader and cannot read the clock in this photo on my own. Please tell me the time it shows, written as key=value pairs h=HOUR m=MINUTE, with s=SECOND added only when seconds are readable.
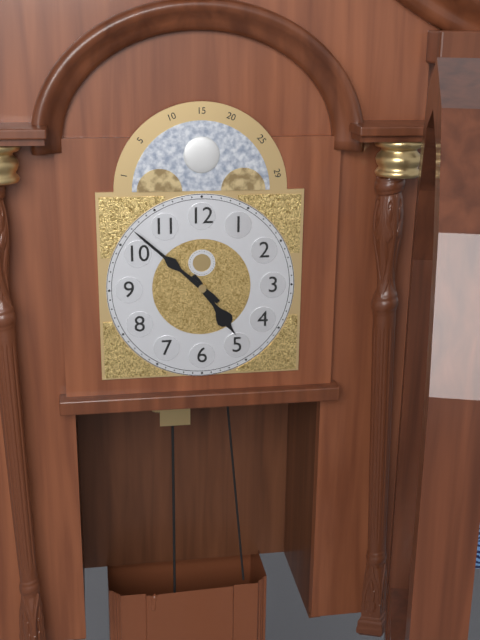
h=4 m=52
